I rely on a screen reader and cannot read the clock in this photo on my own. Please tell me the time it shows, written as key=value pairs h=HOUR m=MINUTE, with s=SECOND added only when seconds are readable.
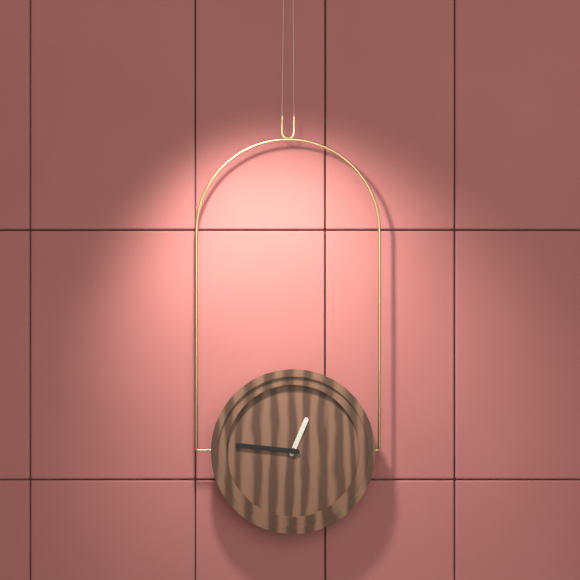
h=12 m=46
